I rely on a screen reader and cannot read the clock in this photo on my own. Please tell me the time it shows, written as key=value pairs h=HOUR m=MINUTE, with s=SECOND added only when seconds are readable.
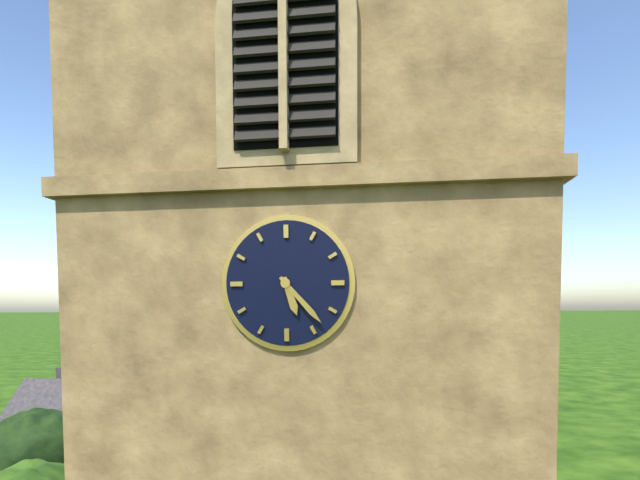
h=5 m=23
